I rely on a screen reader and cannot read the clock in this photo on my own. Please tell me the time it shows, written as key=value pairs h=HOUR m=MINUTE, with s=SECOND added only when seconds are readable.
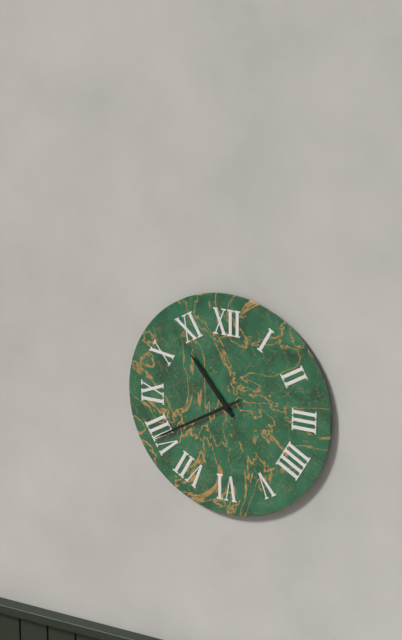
h=10 m=40
